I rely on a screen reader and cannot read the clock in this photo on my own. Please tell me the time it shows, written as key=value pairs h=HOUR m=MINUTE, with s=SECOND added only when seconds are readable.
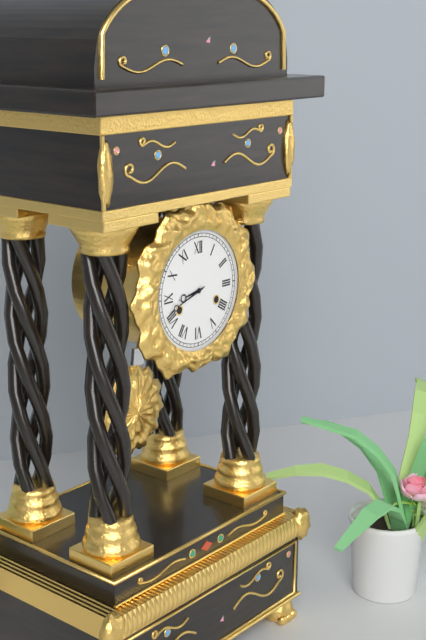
h=8 m=42
